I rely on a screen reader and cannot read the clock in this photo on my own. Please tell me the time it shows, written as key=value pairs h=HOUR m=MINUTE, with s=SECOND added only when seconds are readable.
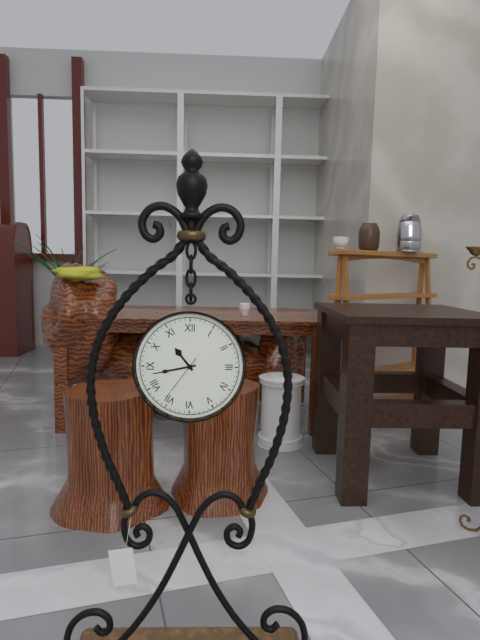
h=10 m=43
